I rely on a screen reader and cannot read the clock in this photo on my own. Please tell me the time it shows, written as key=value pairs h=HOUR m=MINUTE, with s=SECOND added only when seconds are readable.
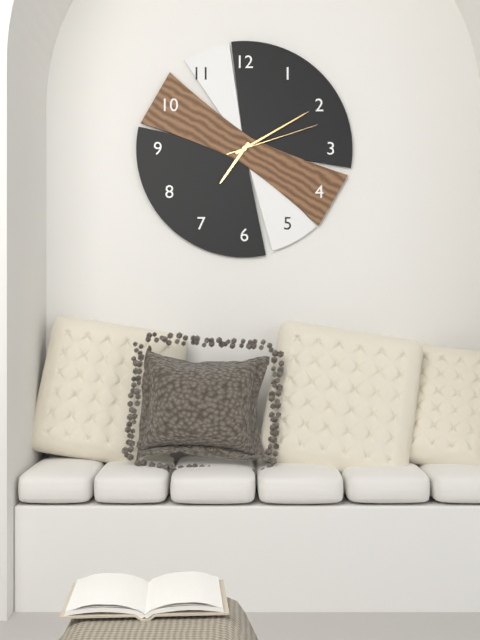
h=7 m=10 s=12
